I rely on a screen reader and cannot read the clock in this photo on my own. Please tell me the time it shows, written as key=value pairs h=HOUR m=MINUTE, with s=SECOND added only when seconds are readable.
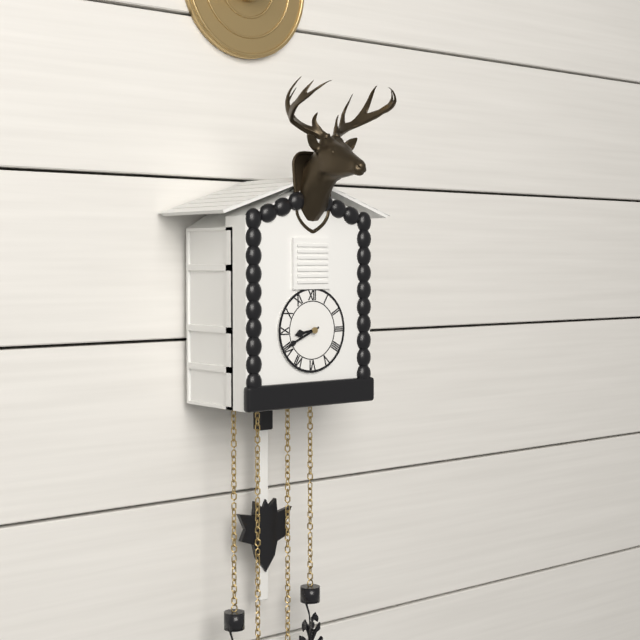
h=8 m=41
